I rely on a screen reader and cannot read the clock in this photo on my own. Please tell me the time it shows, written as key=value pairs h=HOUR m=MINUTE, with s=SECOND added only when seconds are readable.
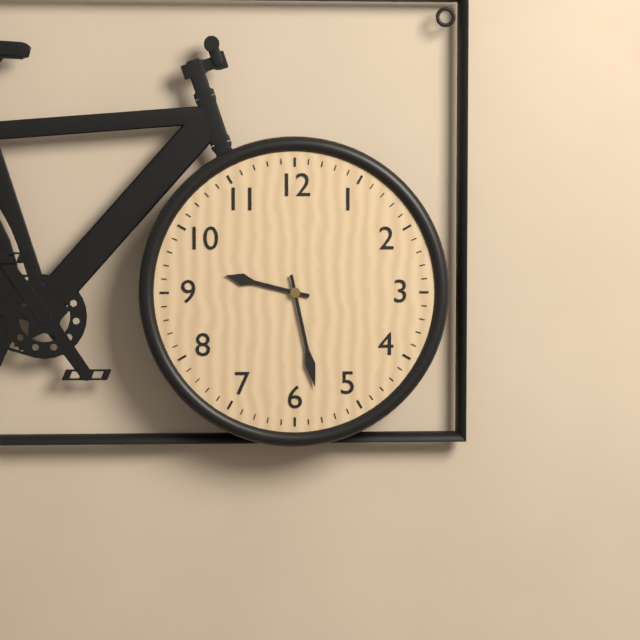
h=9 m=28
